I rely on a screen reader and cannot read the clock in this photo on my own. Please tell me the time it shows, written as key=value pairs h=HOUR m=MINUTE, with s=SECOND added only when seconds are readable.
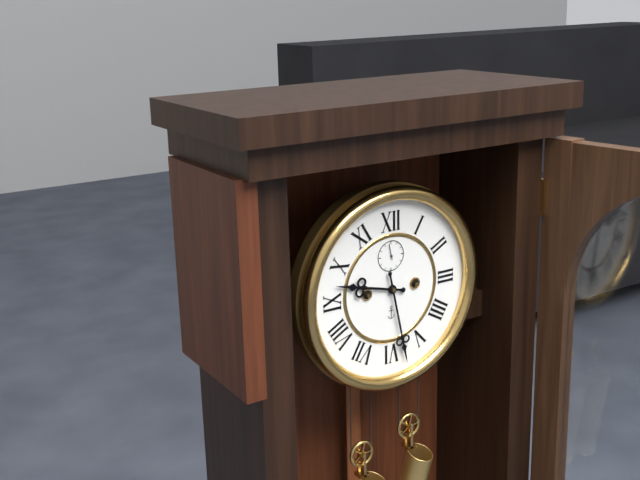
h=9 m=28
